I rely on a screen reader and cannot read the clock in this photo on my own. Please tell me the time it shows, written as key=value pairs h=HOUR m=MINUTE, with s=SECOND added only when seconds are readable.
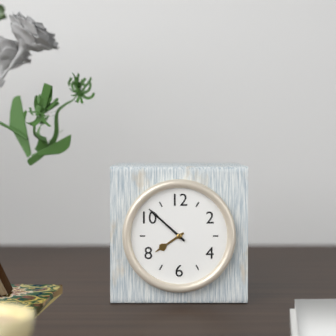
h=7 m=52
